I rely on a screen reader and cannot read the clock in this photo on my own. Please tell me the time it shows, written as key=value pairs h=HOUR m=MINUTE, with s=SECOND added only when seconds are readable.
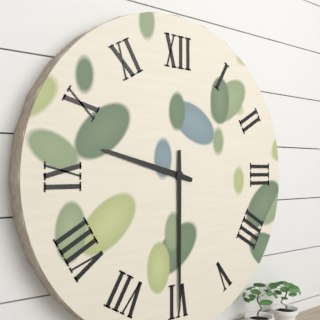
h=9 m=30
